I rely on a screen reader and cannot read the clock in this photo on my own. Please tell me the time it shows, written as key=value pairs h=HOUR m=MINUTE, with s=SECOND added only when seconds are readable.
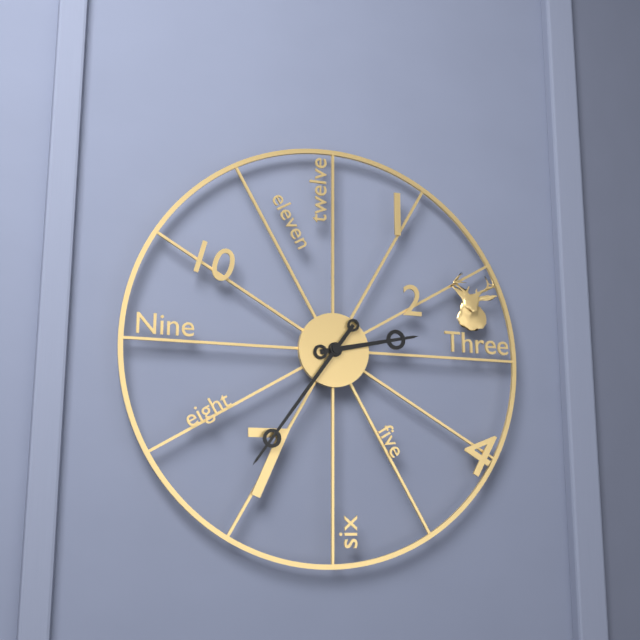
h=2 m=36
